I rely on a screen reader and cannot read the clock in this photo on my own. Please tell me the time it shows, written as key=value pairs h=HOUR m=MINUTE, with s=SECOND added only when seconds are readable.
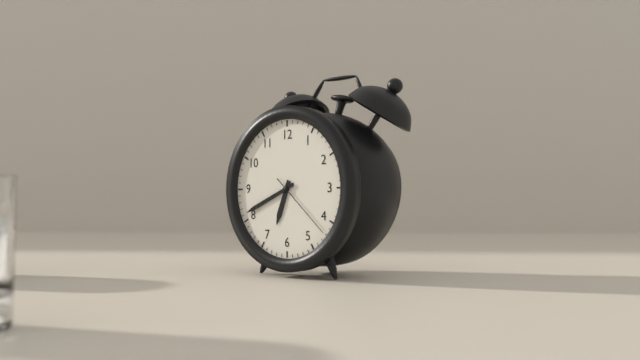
h=6 m=41 s=22
